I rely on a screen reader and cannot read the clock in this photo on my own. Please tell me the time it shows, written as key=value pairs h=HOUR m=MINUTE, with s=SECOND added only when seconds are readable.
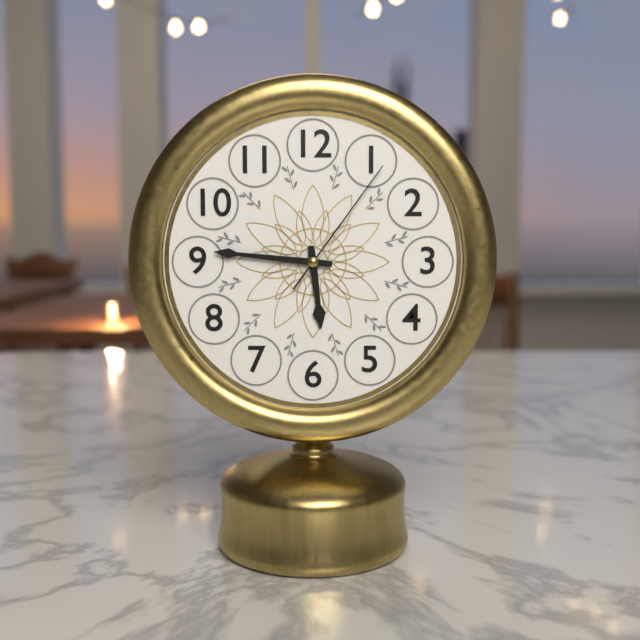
h=5 m=46 s=6
